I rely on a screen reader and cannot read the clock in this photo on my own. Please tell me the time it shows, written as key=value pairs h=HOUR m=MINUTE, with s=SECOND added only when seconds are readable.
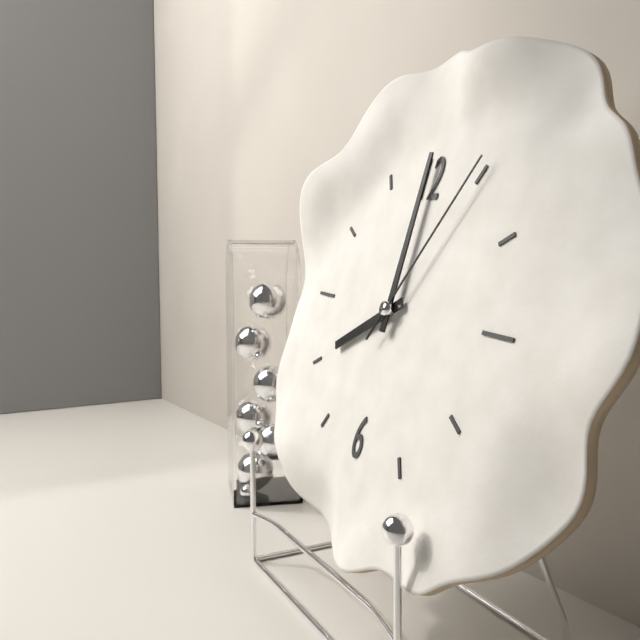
h=8 m=0 s=5
